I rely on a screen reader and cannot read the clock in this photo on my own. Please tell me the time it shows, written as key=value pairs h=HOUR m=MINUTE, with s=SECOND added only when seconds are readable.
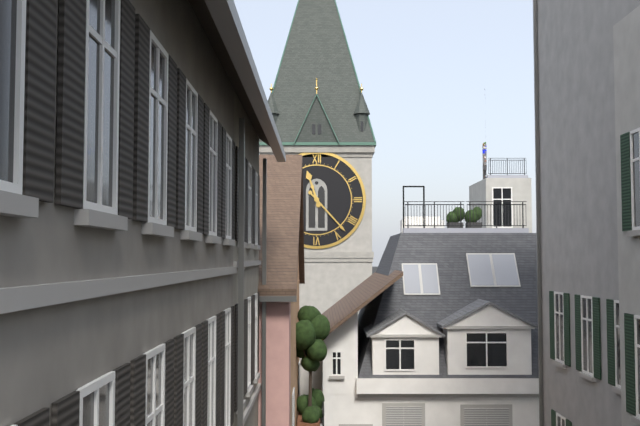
h=11 m=23
